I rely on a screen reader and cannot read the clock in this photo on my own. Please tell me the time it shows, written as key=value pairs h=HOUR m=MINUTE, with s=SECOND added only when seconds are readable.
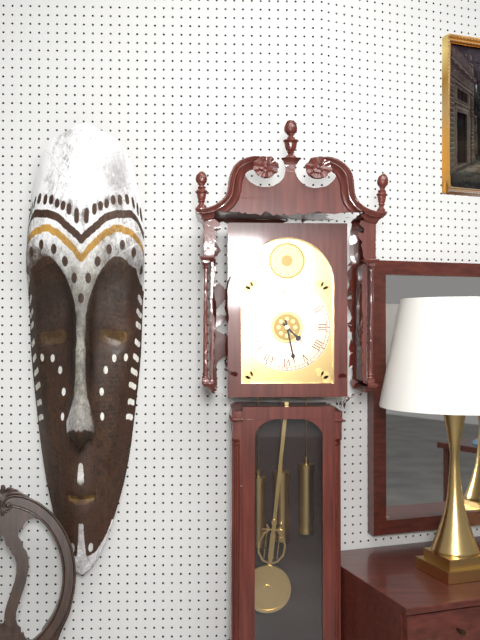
h=4 m=28
